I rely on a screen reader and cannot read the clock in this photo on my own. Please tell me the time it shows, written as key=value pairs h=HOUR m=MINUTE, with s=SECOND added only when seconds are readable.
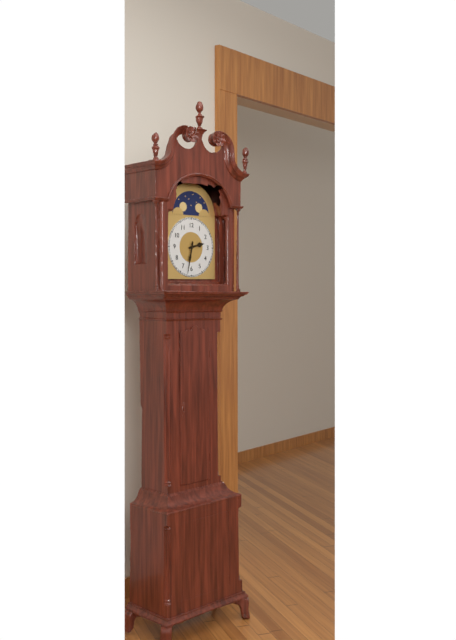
h=2 m=32
